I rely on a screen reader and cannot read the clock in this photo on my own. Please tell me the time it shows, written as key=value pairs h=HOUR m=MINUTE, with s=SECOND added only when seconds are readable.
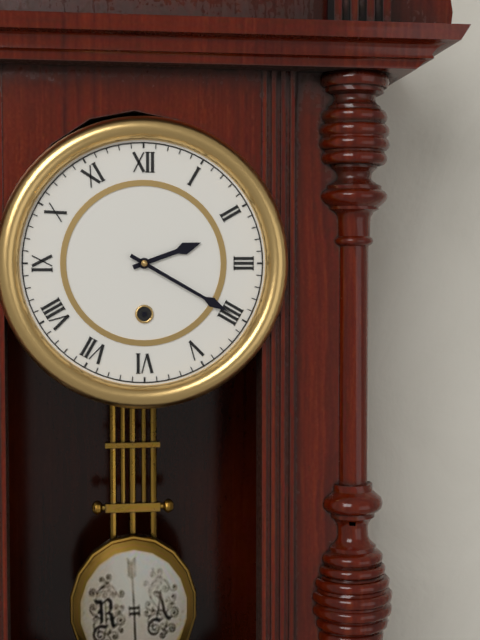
h=2 m=20
